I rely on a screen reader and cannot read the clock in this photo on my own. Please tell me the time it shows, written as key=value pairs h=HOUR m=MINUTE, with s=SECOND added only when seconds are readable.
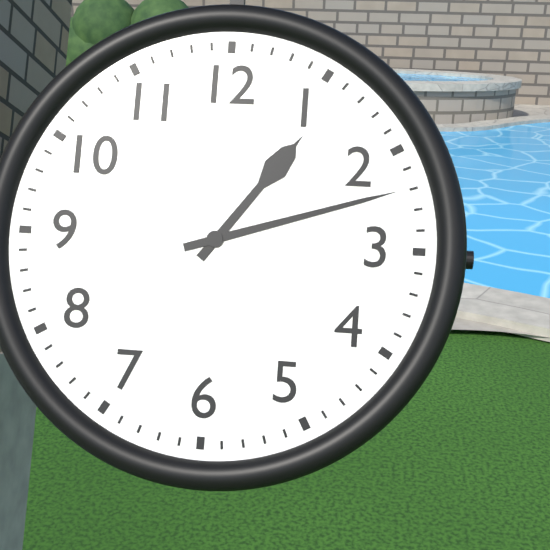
h=1 m=12
